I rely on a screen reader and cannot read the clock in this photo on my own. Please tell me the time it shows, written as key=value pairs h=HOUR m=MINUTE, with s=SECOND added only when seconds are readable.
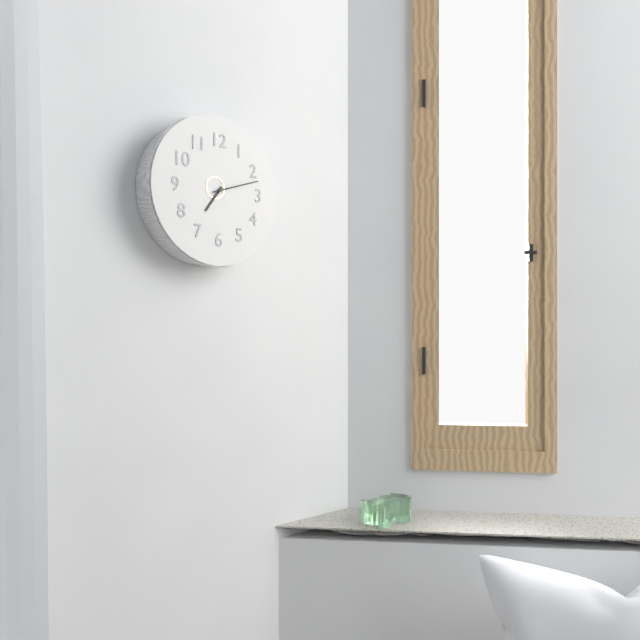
h=7 m=12
